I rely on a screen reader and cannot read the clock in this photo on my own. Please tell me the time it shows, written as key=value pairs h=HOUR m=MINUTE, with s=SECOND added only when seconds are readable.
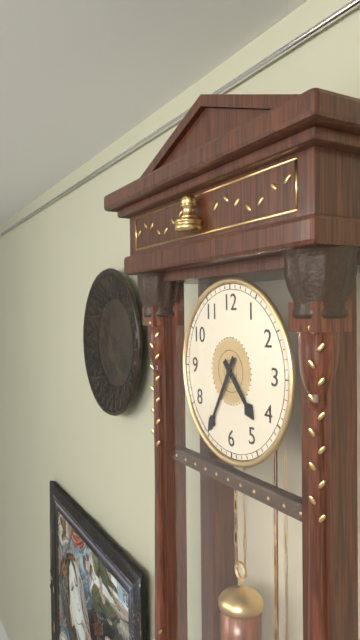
h=4 m=35
